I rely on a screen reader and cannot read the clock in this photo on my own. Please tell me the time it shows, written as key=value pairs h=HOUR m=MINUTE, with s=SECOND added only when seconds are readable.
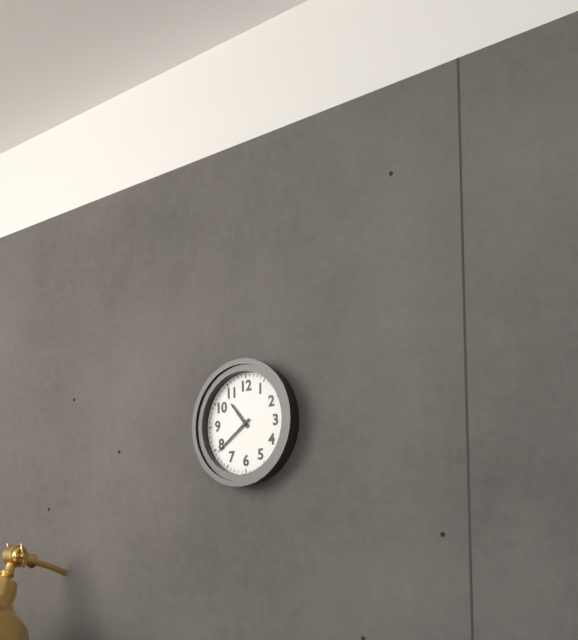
h=10 m=39
